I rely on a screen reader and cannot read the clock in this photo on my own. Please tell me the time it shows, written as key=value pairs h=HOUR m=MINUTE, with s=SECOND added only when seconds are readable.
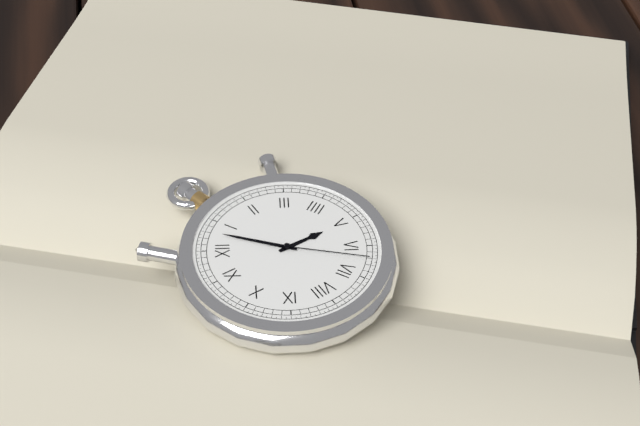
h=5 m=3 s=32
